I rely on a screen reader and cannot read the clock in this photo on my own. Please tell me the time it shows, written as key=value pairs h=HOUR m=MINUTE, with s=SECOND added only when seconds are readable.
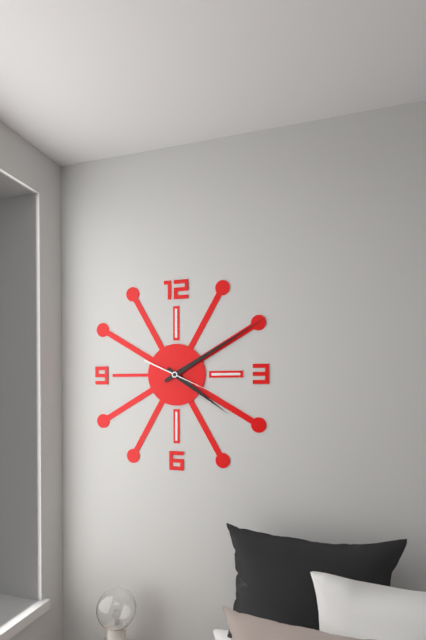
h=4 m=10 s=19
